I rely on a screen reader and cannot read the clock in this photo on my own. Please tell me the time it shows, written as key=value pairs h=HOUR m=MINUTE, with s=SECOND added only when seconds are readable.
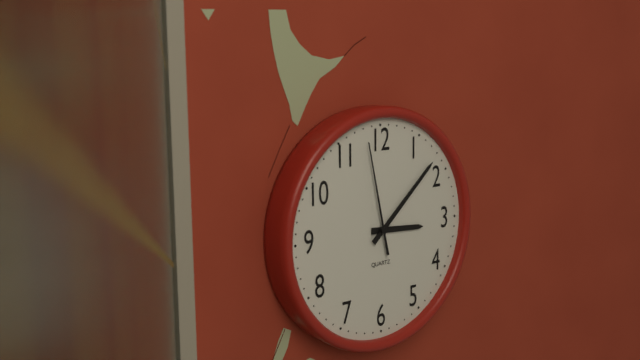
h=3 m=8 s=58
